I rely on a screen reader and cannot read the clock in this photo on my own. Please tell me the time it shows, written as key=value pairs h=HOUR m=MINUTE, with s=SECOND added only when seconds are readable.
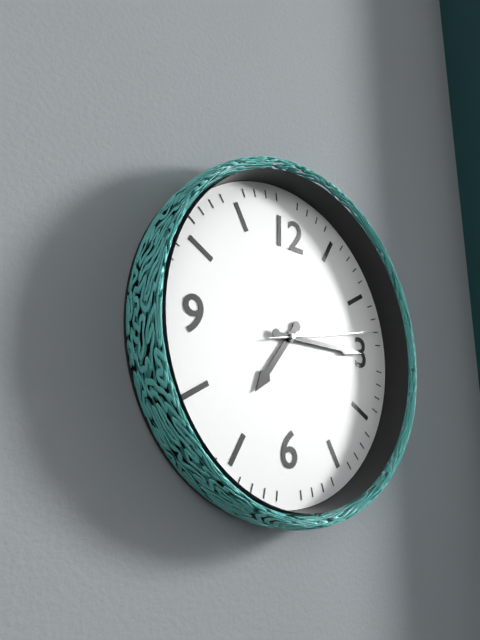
h=7 m=15 s=13
